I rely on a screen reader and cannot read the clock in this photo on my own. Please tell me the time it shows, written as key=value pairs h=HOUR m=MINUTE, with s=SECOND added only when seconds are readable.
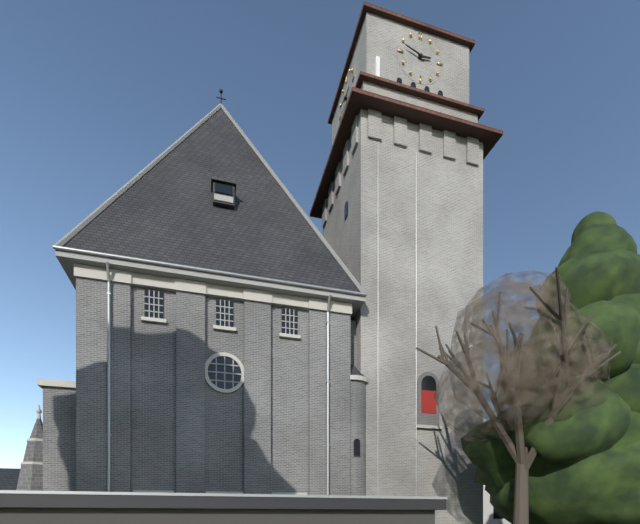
h=2 m=48
